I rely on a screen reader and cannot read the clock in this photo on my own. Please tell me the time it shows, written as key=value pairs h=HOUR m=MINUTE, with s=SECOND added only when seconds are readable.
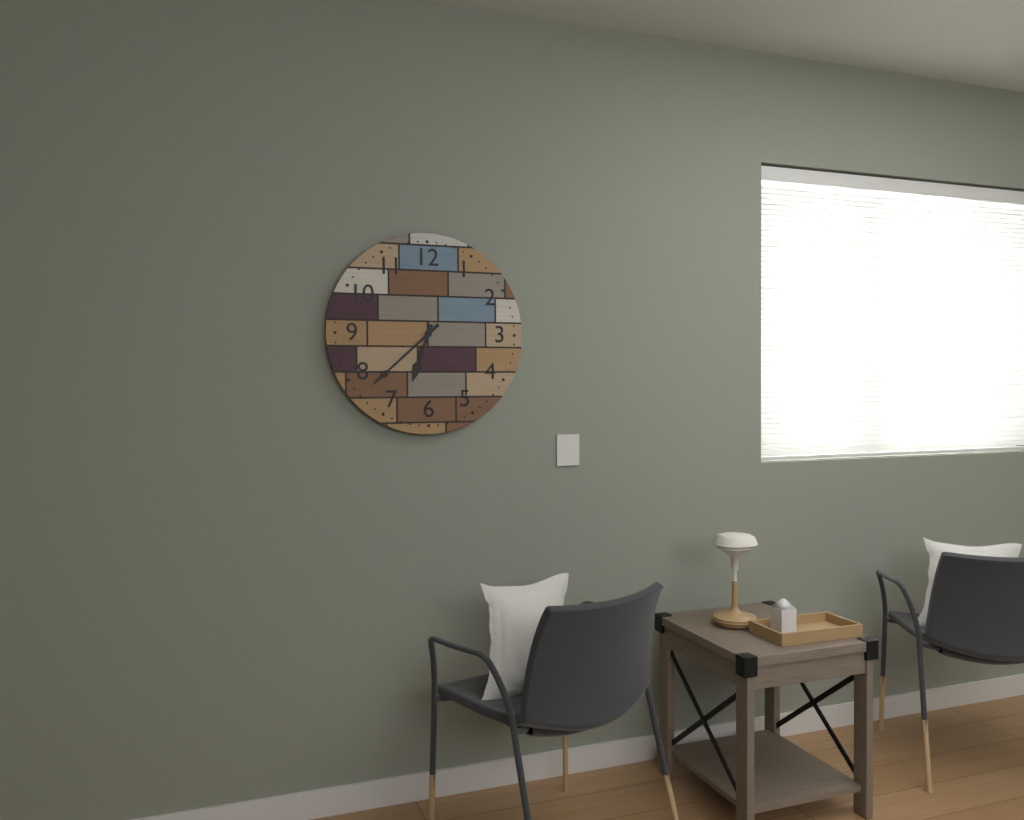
h=6 m=38
